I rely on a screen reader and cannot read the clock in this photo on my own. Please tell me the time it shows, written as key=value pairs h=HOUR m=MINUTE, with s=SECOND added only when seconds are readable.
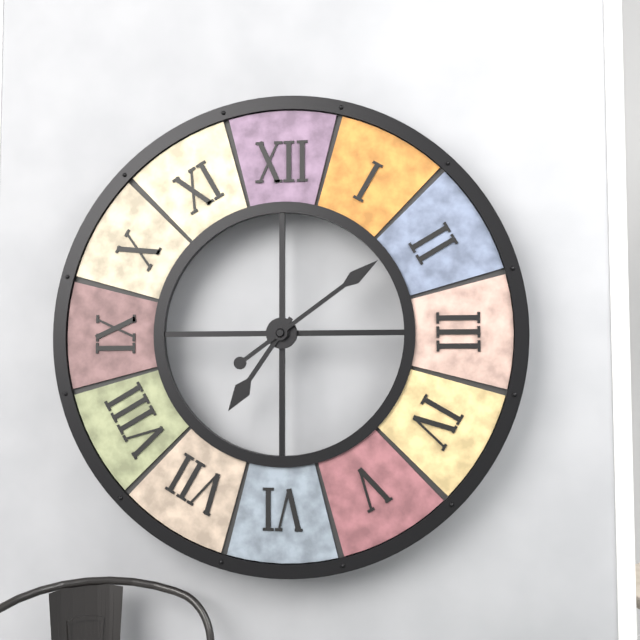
h=7 m=9
